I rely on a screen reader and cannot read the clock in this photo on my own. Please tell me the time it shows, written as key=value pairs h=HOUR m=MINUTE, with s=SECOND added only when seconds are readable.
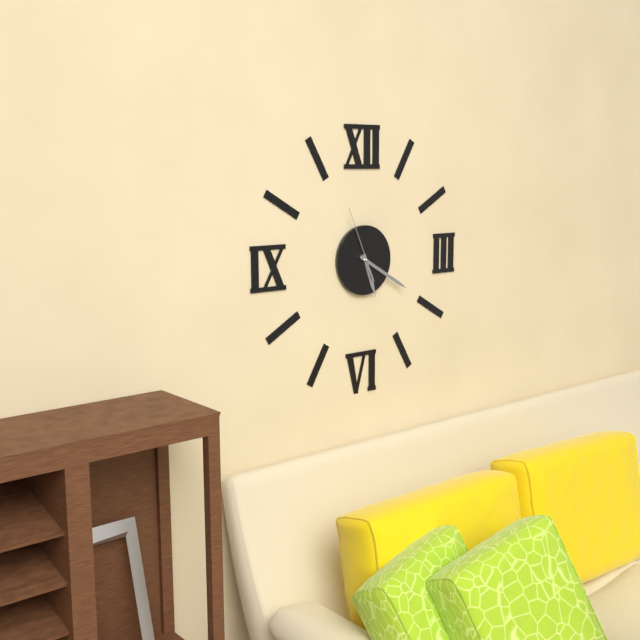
h=5 m=20 s=56
